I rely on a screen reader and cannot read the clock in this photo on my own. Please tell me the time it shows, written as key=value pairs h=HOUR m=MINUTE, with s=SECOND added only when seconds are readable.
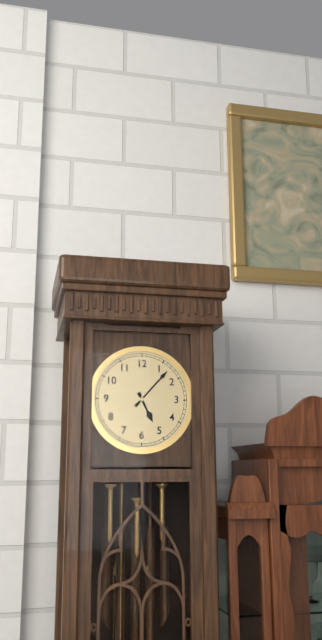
h=5 m=7
